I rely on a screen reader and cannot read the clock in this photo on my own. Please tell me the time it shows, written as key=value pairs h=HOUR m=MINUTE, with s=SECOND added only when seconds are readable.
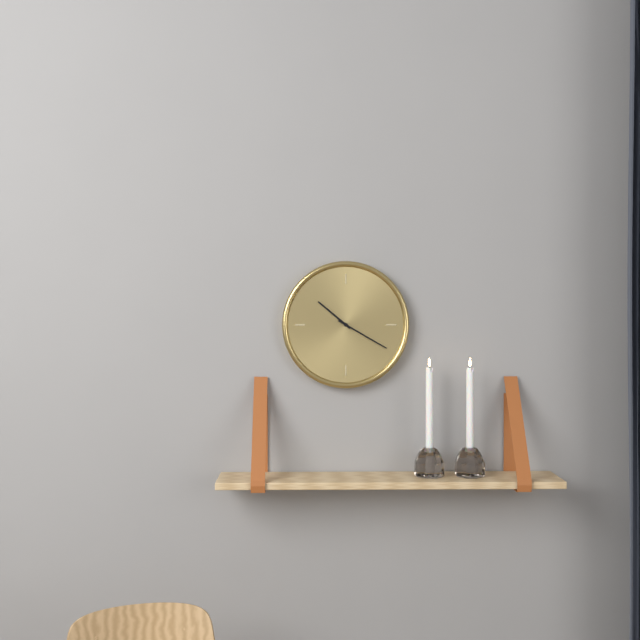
h=10 m=20
